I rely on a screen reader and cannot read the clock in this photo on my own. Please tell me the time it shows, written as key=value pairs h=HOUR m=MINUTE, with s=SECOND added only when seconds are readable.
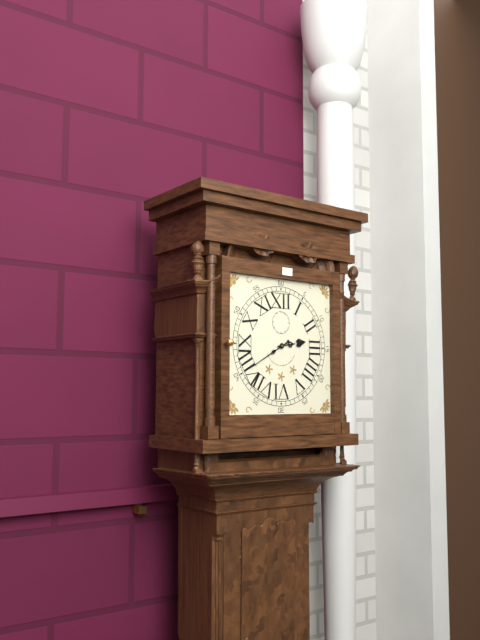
h=2 m=40
